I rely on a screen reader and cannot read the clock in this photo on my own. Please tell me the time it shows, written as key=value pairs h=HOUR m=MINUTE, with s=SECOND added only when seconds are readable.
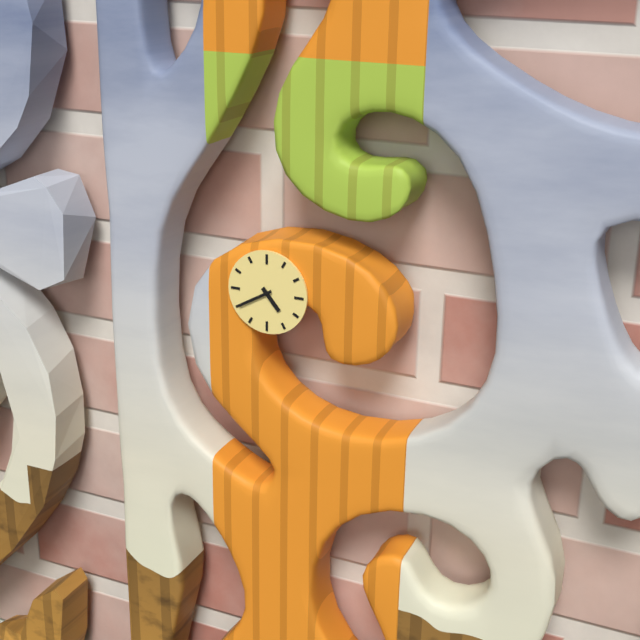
h=4 m=40
